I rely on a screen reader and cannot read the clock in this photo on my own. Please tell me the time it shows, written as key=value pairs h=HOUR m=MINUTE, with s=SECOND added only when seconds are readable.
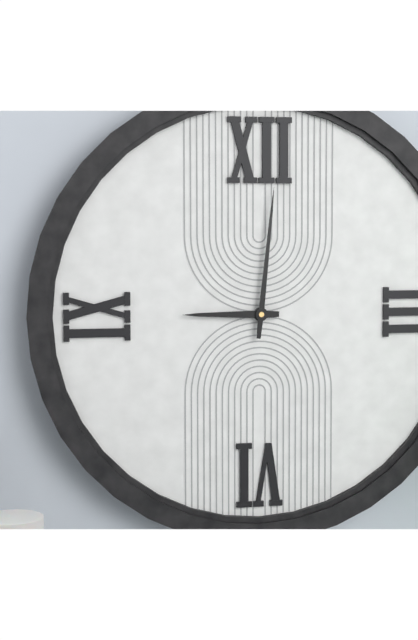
h=9 m=1
